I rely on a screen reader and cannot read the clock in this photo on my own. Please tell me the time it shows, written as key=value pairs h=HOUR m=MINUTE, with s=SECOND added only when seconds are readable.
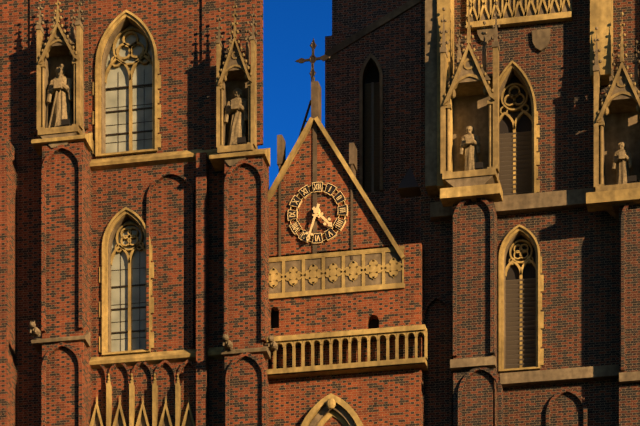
h=4 m=33
